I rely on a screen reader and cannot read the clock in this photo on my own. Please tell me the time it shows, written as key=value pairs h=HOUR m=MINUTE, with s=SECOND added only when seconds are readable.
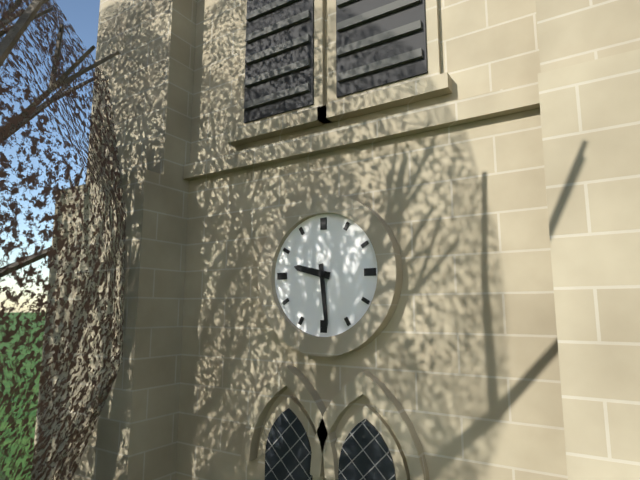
h=9 m=29
